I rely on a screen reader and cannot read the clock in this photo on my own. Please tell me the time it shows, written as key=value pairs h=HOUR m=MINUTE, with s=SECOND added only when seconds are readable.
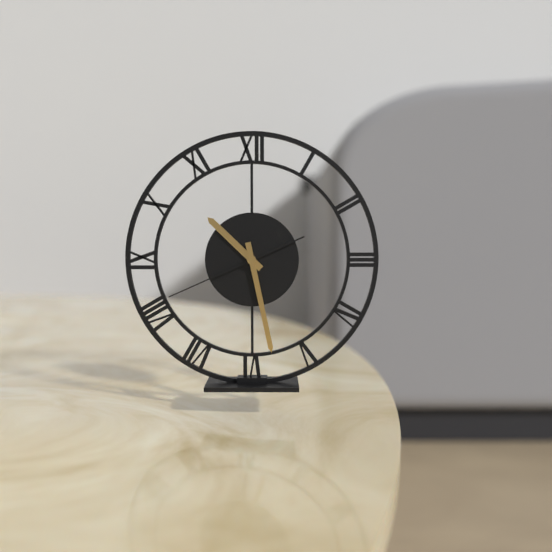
h=10 m=28 s=41
